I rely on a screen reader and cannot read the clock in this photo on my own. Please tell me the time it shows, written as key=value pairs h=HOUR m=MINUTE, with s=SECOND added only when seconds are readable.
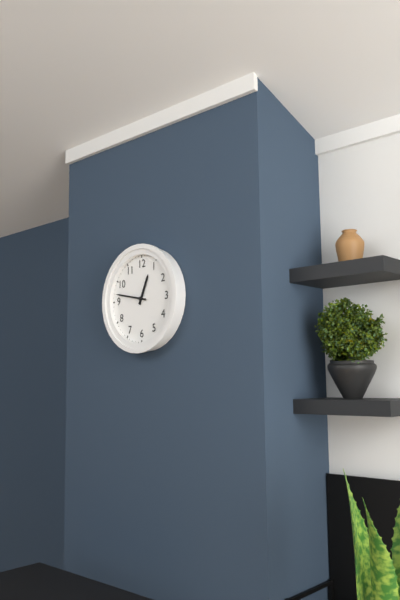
h=12 m=47
